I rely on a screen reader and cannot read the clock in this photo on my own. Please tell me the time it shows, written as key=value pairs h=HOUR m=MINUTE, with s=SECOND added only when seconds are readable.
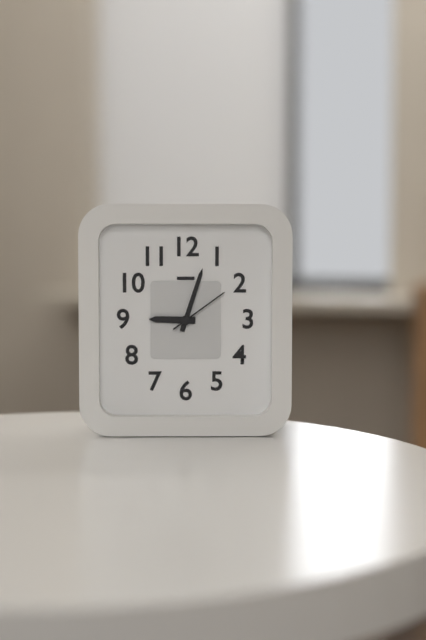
h=9 m=3 s=9
